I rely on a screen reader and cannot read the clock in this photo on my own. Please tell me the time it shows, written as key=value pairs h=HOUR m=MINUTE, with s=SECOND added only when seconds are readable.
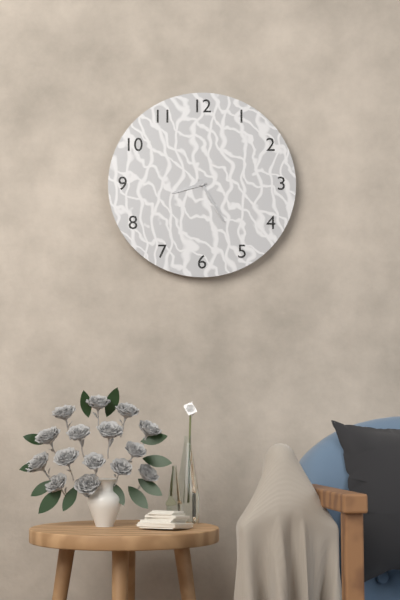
h=8 m=25
